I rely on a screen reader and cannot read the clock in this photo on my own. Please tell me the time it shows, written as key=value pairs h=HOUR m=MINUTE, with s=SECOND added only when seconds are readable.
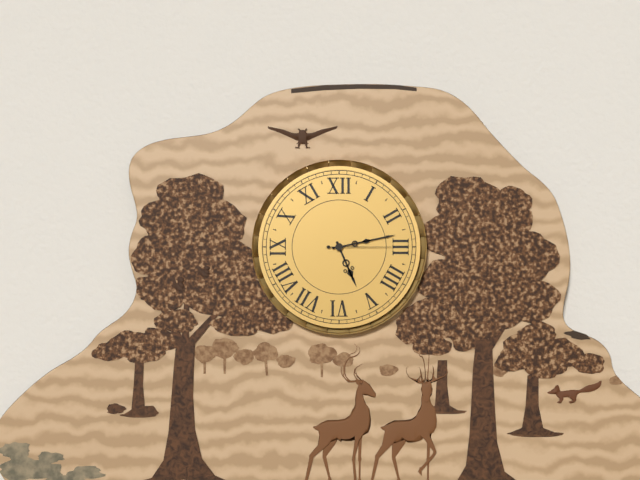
h=5 m=13 s=15
